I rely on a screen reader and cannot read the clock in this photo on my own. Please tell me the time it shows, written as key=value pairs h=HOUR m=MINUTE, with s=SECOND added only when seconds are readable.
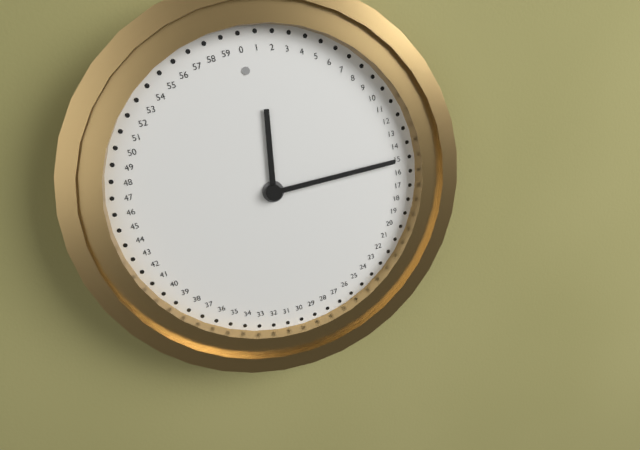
h=12 m=15
